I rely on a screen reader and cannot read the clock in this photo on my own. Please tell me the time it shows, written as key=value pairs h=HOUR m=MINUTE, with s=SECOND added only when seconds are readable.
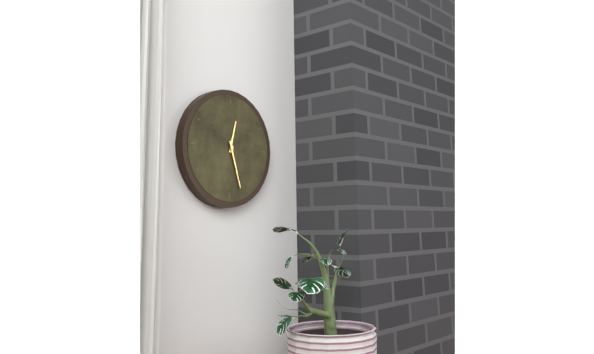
h=12 m=27
